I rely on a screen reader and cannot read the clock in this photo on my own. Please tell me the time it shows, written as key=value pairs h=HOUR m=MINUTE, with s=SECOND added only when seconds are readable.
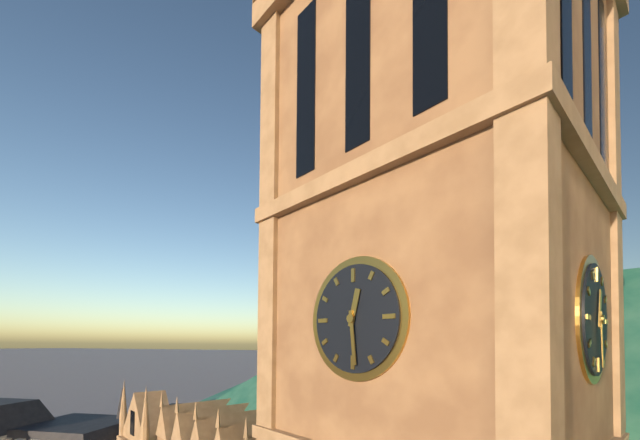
h=12 m=29
